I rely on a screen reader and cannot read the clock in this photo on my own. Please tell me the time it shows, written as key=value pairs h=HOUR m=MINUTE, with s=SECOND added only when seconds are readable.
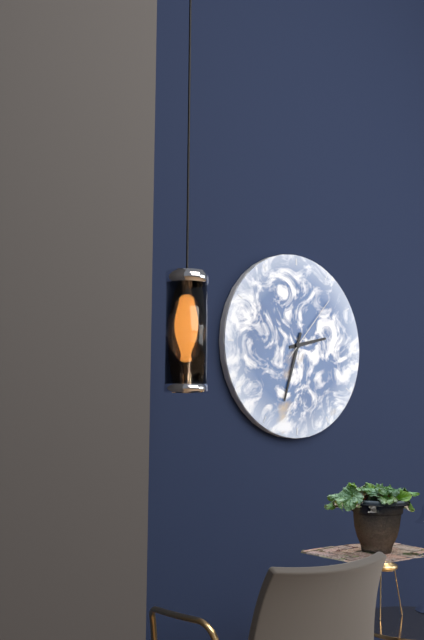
h=2 m=33 s=7
